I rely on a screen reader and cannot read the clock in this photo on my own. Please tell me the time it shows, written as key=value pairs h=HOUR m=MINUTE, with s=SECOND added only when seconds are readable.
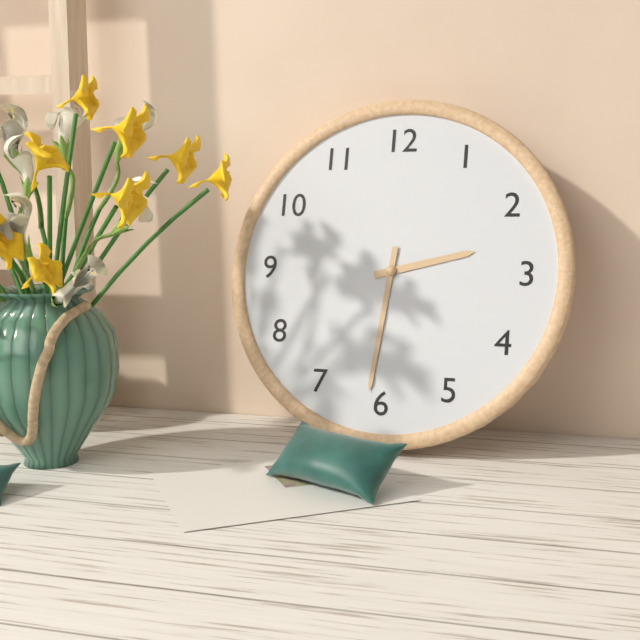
h=2 m=31
